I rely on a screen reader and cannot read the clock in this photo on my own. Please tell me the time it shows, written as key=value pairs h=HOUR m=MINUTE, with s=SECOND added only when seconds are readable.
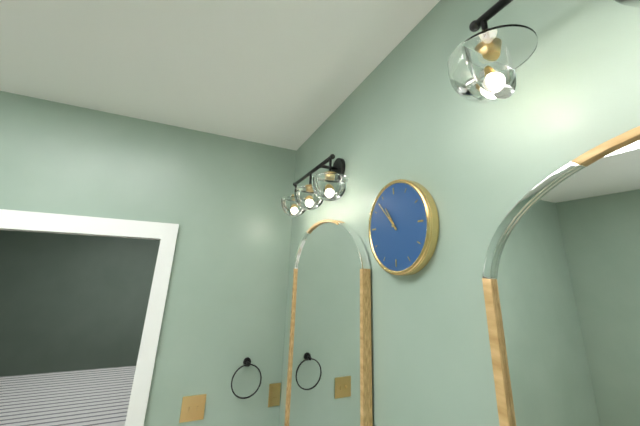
h=10 m=53
